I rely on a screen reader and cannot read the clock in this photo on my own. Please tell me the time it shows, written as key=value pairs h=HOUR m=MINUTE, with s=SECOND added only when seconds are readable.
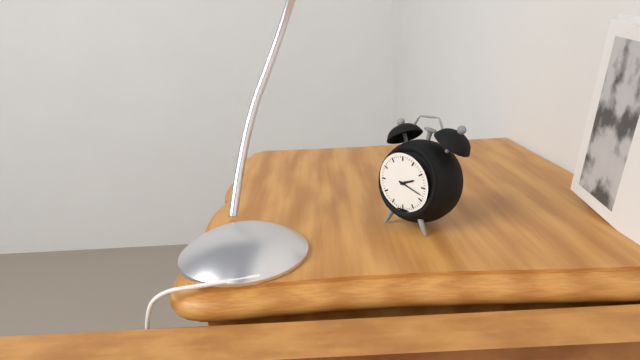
h=2 m=18
